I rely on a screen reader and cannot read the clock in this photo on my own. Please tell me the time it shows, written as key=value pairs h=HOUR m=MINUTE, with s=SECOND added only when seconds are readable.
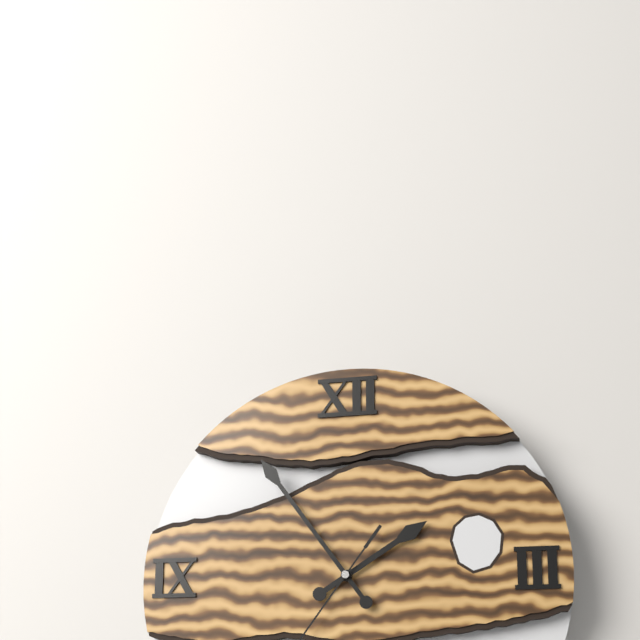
h=1 m=54
